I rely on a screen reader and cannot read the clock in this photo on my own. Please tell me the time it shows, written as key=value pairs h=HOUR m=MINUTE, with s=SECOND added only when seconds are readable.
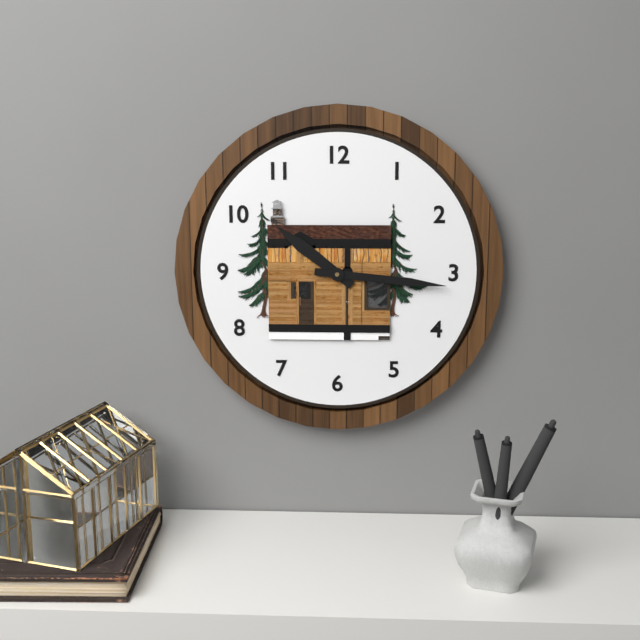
h=10 m=16
